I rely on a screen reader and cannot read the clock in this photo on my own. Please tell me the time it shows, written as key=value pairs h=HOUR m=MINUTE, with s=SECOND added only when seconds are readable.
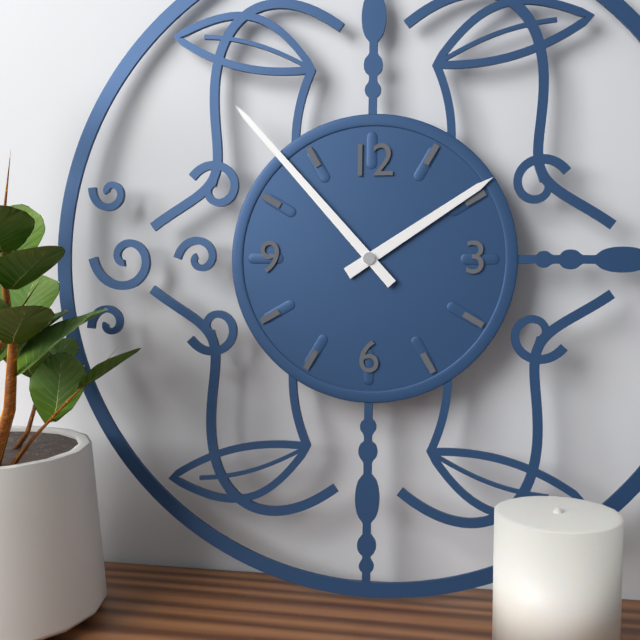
h=1 m=53
